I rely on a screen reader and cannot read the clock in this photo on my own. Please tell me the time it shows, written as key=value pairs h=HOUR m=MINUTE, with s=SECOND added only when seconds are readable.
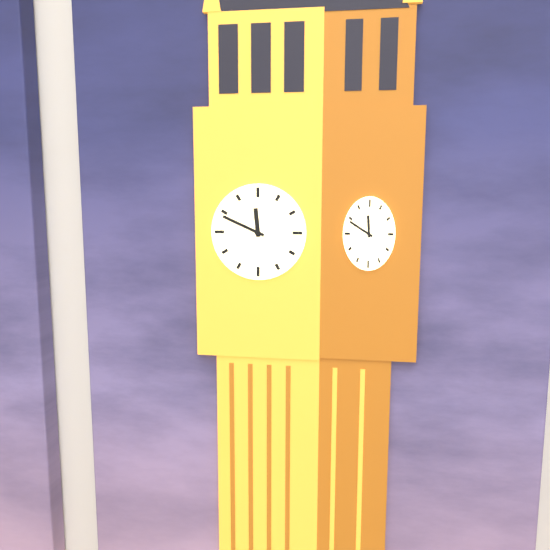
h=11 m=49
